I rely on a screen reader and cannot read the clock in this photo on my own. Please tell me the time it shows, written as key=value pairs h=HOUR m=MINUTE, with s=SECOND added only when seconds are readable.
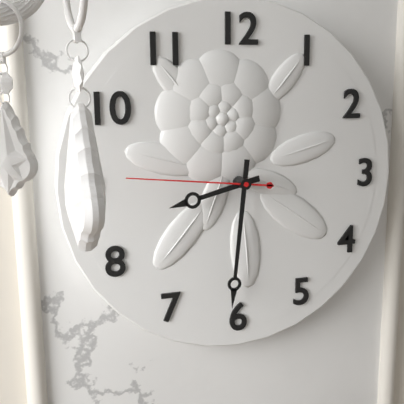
h=8 m=31 s=46
